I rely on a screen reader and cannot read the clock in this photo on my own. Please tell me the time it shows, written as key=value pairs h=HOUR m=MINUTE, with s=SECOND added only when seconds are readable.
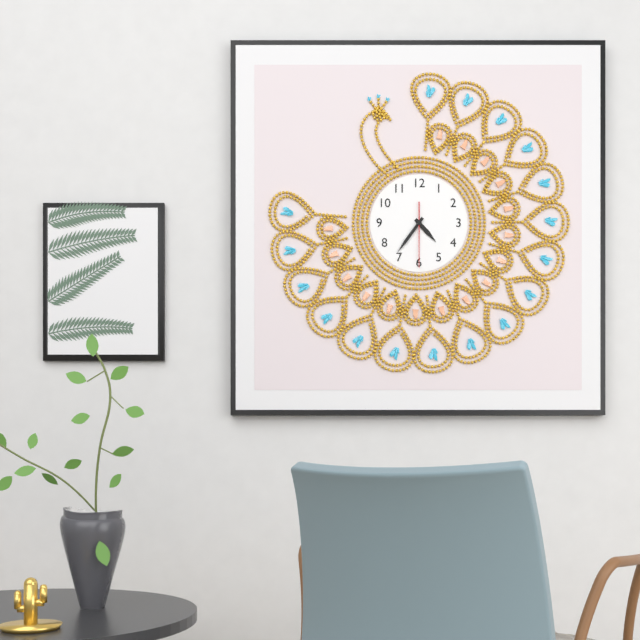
h=4 m=36 s=30
